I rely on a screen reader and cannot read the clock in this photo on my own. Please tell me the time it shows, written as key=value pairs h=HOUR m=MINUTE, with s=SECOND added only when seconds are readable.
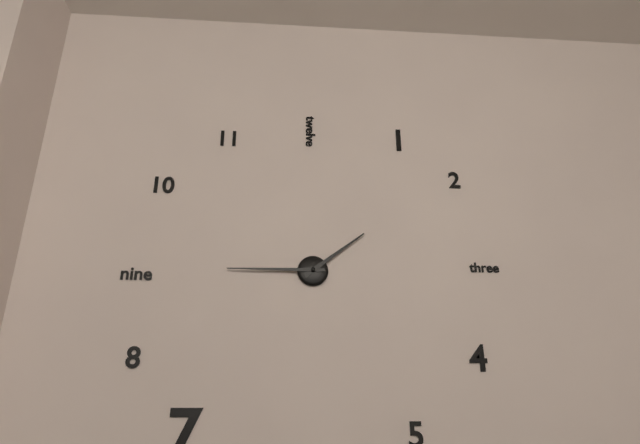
h=1 m=45
